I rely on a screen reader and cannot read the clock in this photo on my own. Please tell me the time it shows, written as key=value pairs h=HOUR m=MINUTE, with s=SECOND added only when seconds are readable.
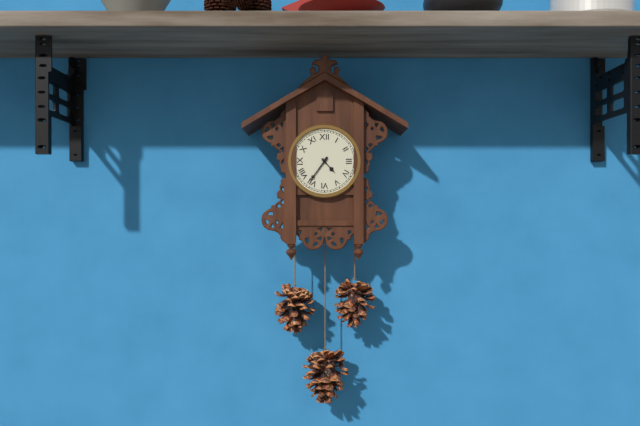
h=4 m=36
